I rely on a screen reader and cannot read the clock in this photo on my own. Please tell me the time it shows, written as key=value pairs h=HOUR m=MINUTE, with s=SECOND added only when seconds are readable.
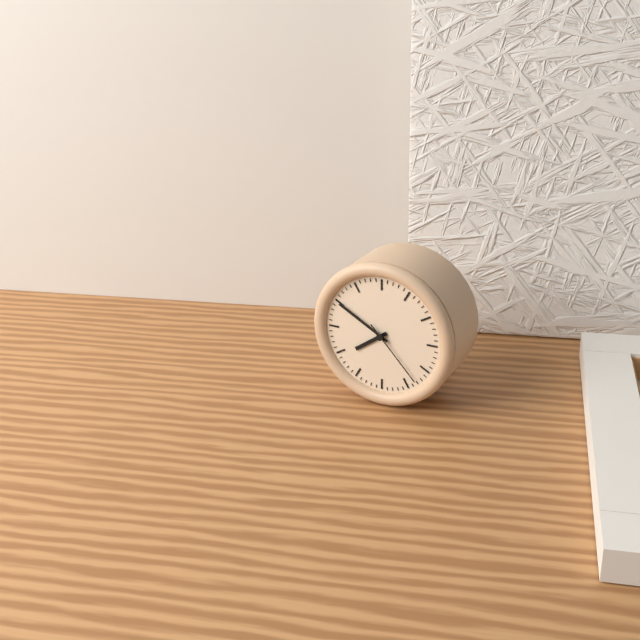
h=7 m=50 s=23
